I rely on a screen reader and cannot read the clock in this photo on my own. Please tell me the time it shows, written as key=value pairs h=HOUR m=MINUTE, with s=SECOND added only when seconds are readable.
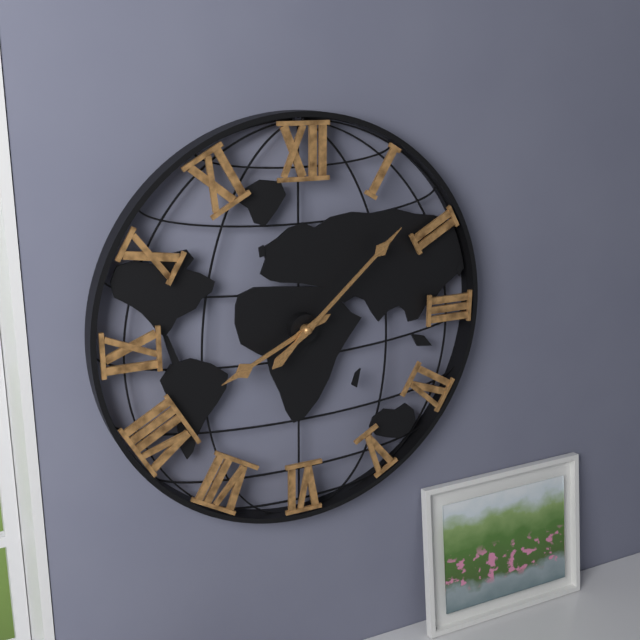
h=8 m=8
